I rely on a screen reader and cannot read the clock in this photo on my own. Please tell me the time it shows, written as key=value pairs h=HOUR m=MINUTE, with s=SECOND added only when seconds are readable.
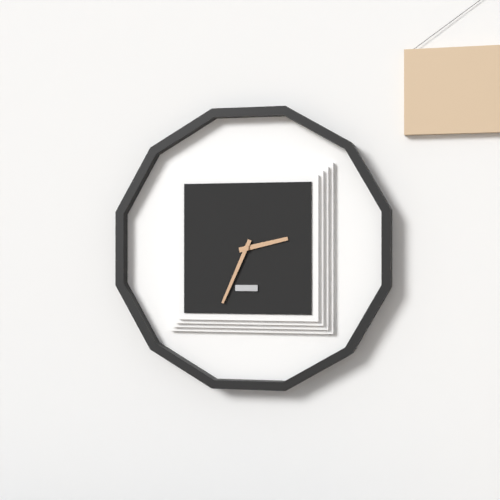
h=2 m=34
